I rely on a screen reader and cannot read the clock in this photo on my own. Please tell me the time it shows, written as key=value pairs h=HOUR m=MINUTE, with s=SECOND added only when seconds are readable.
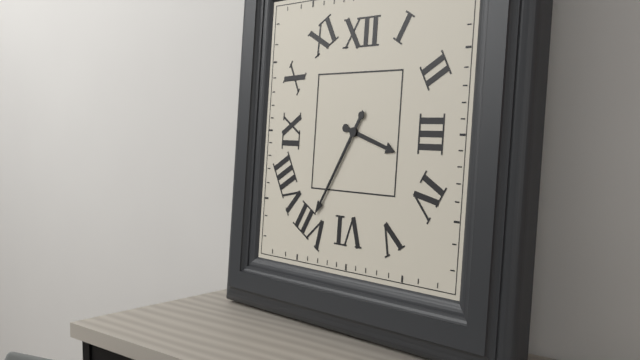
h=3 m=35
